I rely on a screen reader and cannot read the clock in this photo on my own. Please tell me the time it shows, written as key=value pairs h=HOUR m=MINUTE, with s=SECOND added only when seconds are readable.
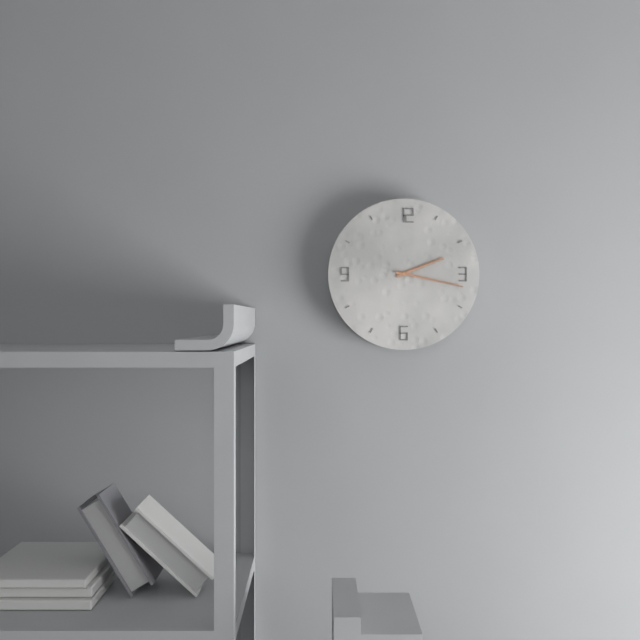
h=2 m=17
